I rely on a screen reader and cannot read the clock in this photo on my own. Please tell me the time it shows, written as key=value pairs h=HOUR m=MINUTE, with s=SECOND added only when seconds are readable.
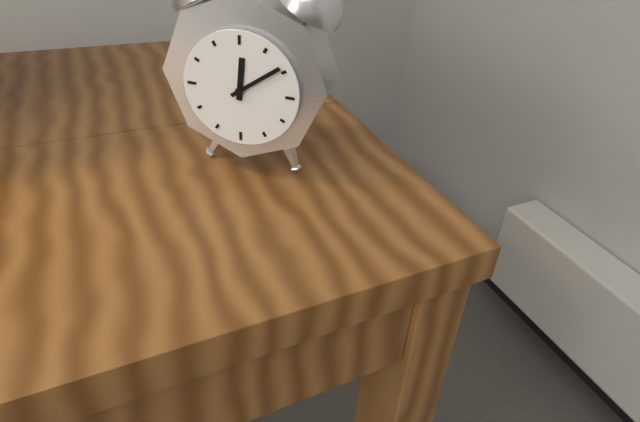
h=12 m=9
